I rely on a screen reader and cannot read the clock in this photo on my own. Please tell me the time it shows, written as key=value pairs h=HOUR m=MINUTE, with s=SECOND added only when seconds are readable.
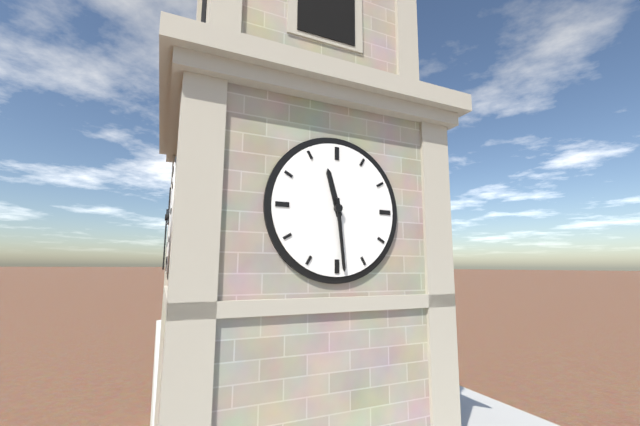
h=11 m=29
